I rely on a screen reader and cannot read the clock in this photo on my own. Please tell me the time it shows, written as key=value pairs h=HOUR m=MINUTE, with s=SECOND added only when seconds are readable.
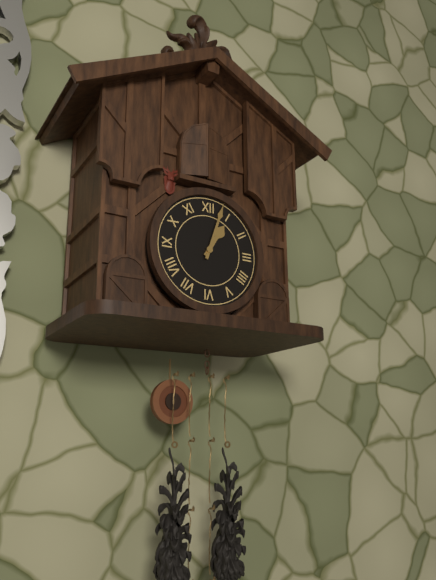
h=1 m=3
